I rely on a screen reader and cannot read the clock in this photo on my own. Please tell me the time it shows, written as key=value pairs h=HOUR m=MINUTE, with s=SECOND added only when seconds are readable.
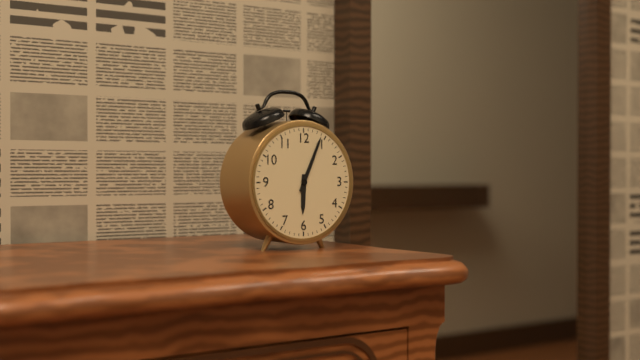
h=6 m=4
